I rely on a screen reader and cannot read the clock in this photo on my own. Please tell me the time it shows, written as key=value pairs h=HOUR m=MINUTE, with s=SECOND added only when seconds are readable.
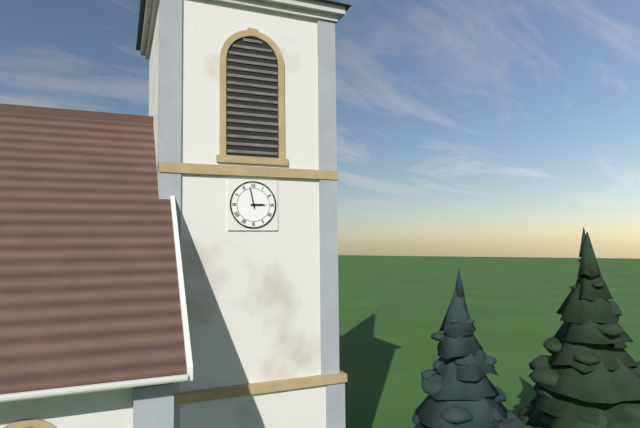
h=2 m=58
